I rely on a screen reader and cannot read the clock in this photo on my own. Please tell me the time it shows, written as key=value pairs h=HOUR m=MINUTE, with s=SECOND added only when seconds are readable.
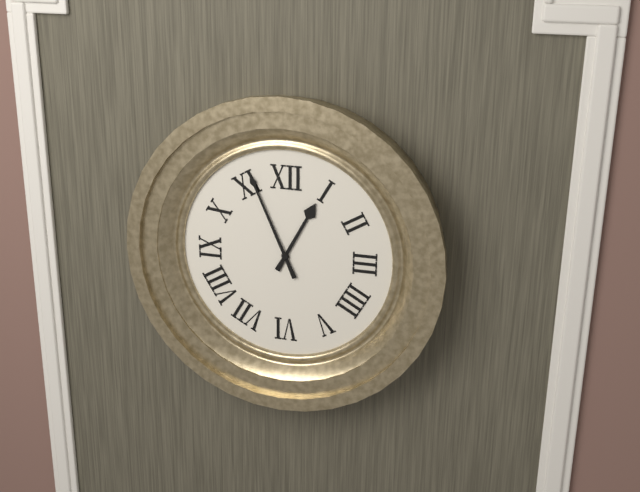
h=12 m=56
